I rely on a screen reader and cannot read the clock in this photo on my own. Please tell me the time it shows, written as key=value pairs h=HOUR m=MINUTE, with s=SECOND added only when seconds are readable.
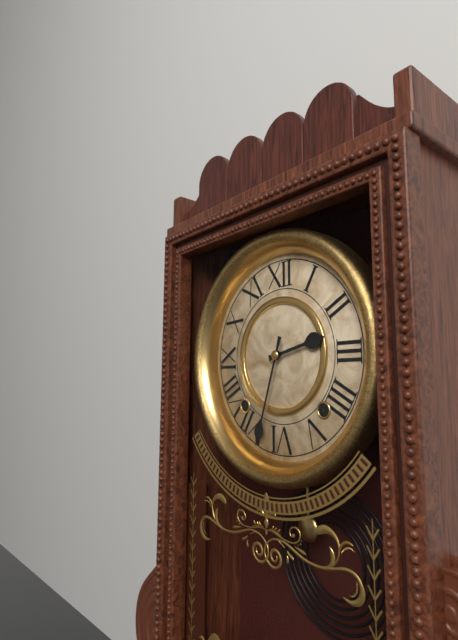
h=2 m=33
